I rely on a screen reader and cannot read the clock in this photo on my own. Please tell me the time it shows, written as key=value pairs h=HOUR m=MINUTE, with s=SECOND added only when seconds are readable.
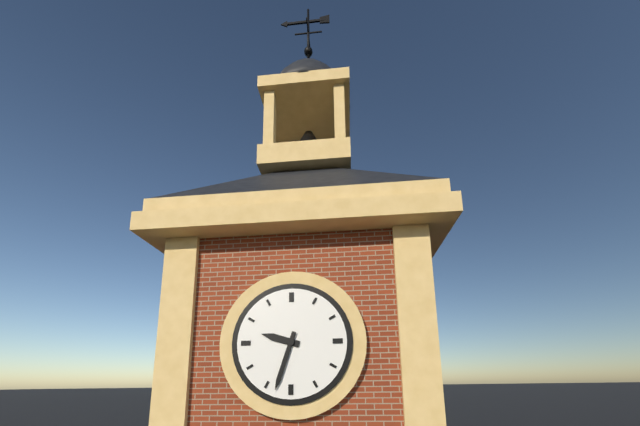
h=9 m=33
